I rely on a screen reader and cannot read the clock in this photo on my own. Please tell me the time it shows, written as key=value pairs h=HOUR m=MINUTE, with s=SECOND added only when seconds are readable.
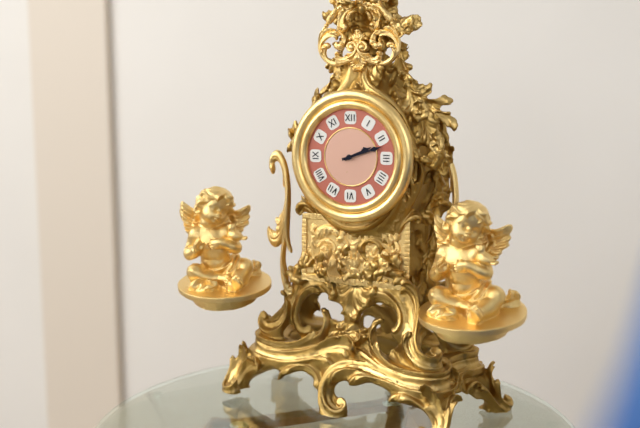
h=2 m=12
